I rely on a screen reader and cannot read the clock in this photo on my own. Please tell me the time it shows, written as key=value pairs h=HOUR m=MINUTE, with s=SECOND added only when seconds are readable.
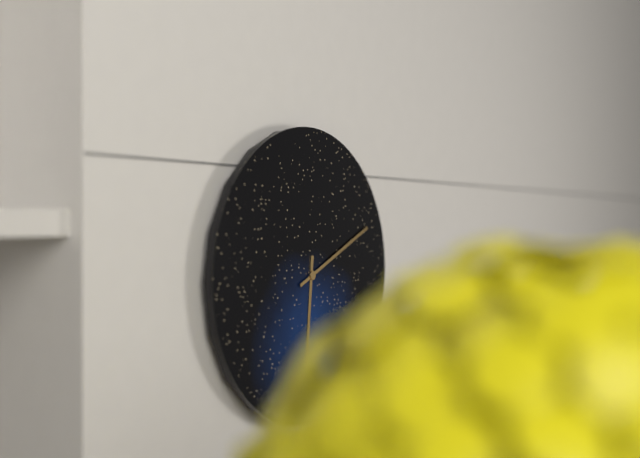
h=6 m=11
